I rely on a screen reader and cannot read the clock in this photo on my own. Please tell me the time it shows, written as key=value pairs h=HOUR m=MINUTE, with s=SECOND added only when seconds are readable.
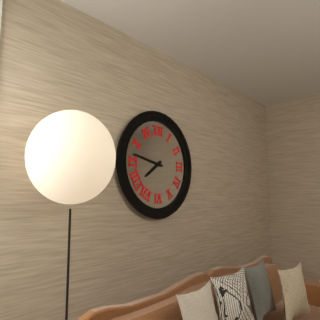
h=7 m=47
